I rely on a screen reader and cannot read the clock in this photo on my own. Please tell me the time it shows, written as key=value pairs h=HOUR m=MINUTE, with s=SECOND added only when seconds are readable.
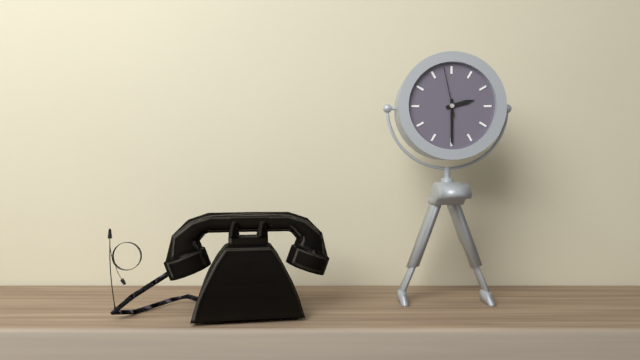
h=2 m=30 s=58
